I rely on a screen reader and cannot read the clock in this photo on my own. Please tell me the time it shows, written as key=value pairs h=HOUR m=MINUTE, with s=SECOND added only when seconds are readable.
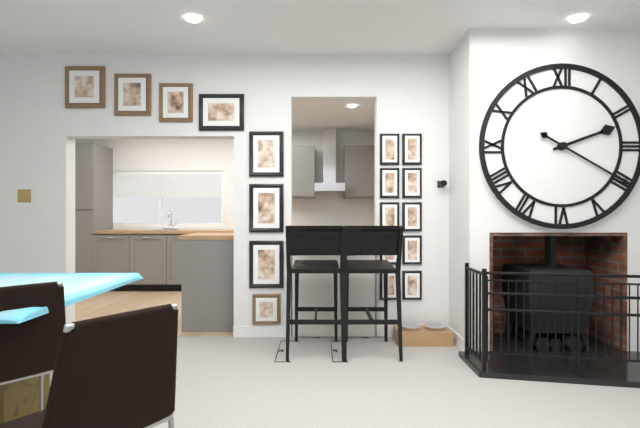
h=2 m=20
